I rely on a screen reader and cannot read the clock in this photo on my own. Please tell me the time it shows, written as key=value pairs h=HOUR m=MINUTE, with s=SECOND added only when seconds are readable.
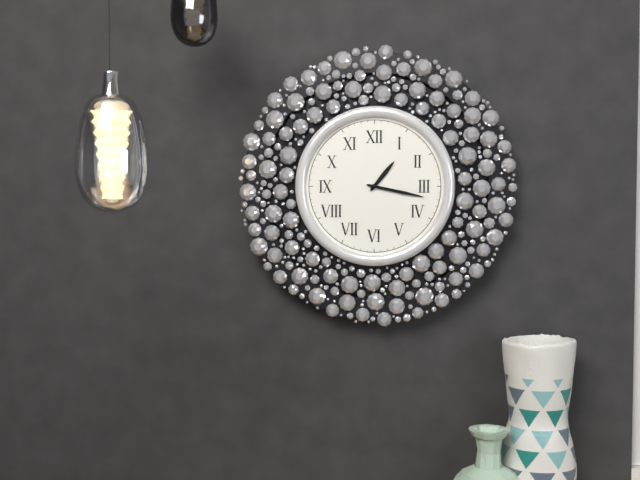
h=1 m=17
